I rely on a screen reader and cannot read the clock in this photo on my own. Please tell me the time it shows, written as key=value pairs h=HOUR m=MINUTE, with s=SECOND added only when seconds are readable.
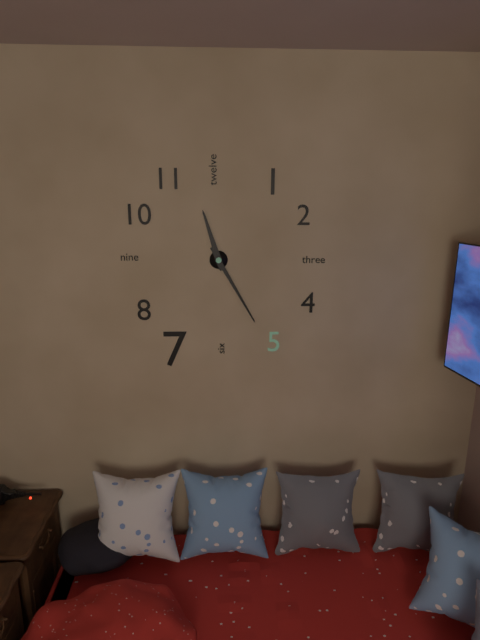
h=11 m=25
